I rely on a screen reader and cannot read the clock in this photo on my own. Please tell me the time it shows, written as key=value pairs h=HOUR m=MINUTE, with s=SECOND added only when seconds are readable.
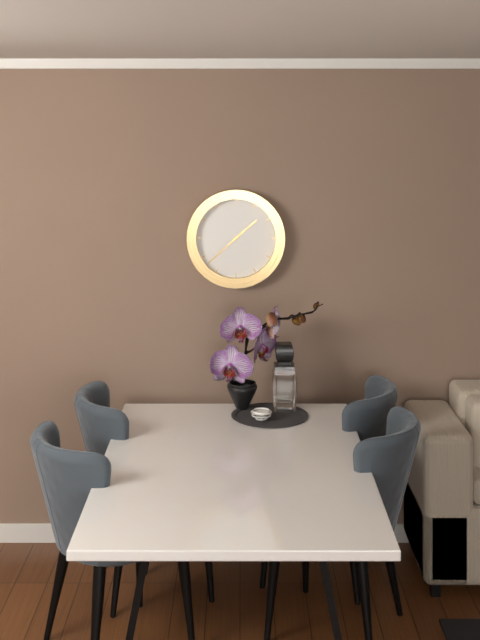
h=1 m=38
